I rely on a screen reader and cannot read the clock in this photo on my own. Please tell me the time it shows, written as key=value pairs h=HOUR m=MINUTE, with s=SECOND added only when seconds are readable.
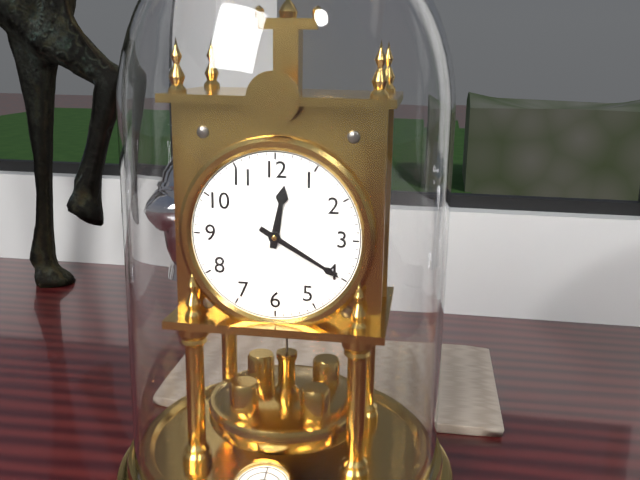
h=12 m=20
